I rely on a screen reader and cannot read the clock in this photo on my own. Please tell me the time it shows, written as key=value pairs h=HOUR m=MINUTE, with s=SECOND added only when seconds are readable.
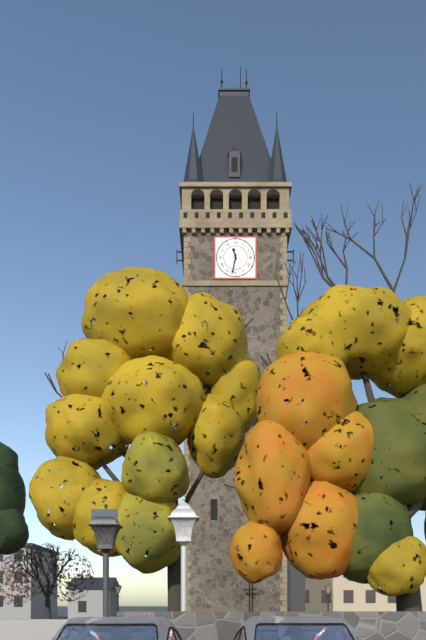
h=11 m=32
